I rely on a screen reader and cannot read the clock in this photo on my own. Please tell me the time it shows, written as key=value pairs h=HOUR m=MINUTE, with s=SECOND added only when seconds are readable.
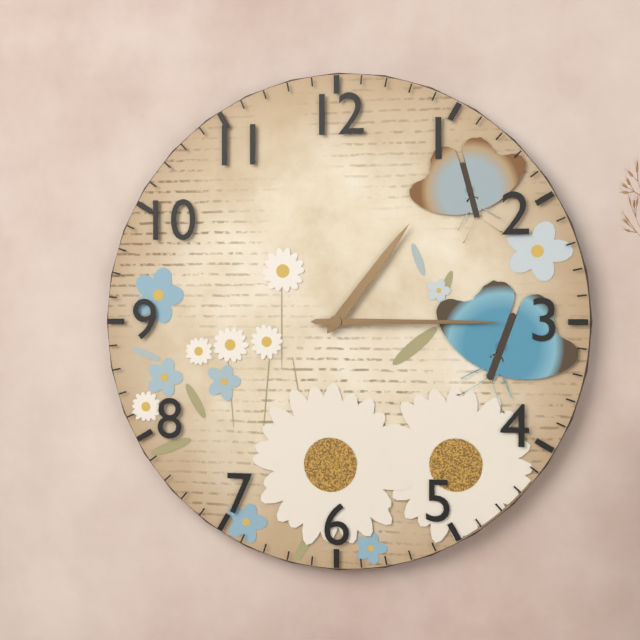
h=1 m=15
